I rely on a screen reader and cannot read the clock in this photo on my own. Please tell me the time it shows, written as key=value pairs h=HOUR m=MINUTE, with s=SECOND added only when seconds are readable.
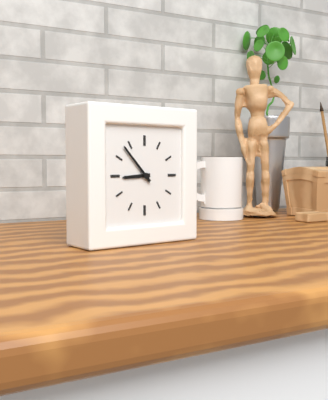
h=8 m=53
